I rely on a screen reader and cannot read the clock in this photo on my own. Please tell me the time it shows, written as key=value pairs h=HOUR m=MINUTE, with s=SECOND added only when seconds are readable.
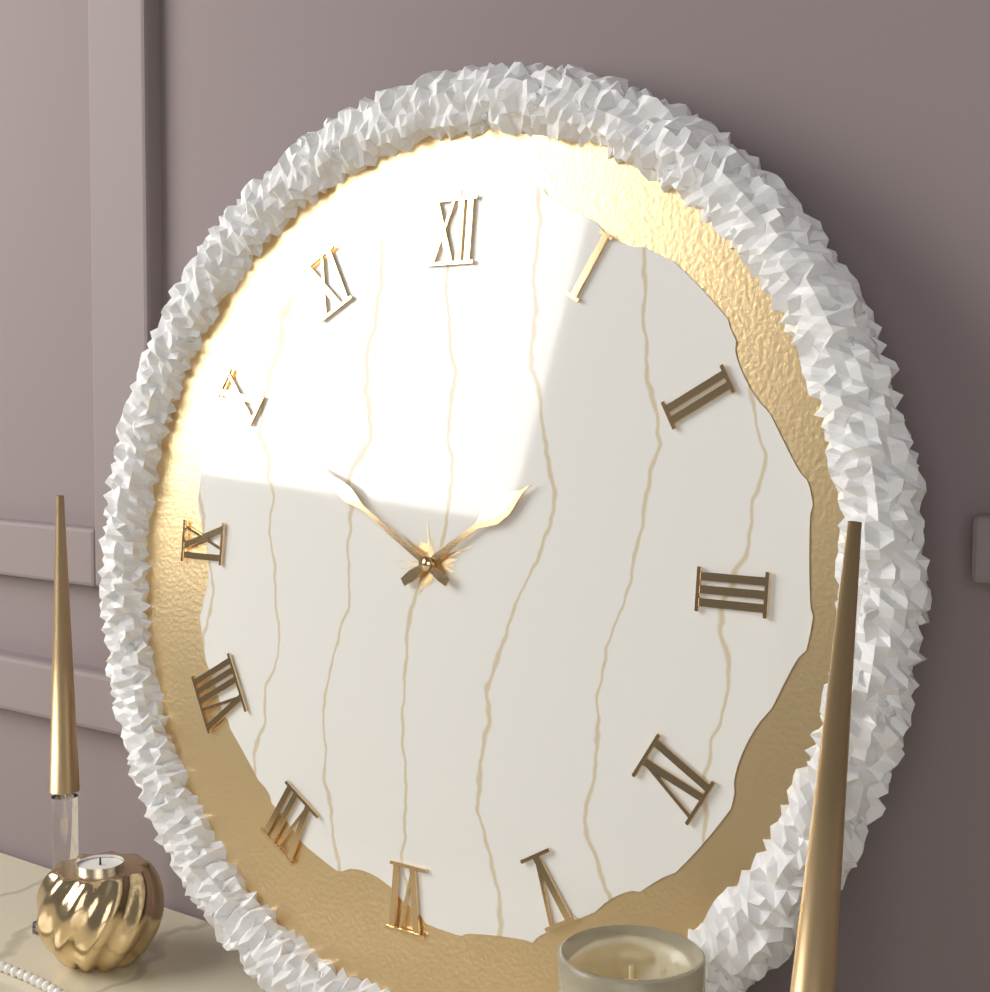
h=1 m=50
